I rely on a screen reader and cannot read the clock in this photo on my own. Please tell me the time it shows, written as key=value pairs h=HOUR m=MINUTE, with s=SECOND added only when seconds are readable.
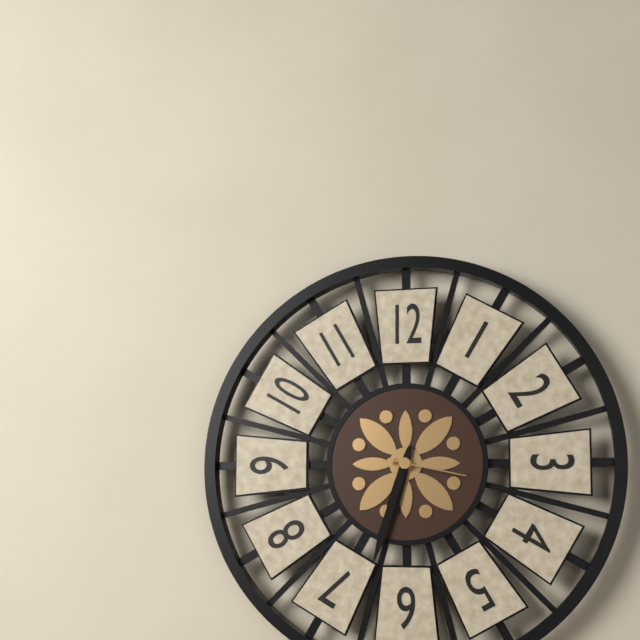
h=6 m=33 s=17
